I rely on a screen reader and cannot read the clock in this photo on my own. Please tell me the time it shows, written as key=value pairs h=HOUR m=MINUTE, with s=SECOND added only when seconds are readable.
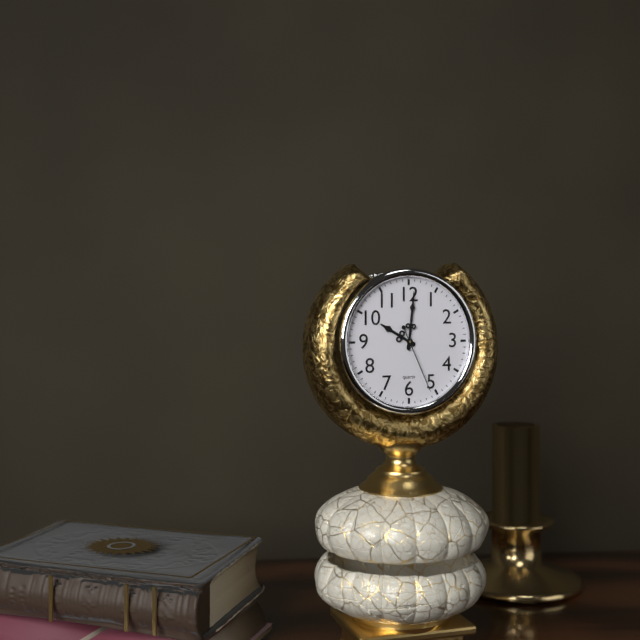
h=10 m=1 s=26
